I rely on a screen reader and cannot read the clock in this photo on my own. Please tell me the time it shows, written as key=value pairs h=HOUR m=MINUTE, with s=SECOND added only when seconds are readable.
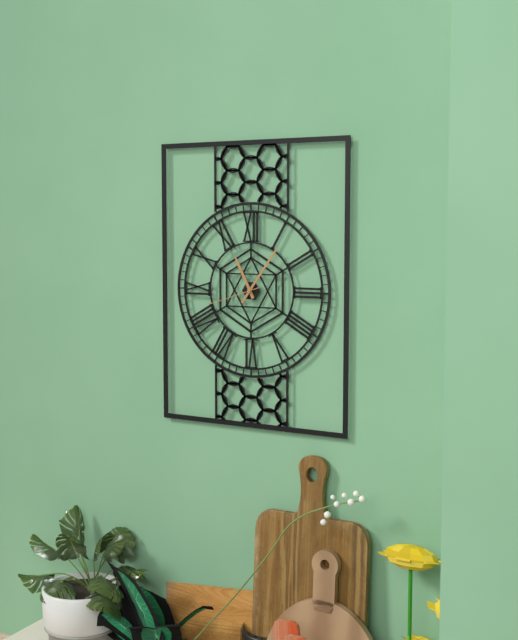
h=11 m=6 s=42
